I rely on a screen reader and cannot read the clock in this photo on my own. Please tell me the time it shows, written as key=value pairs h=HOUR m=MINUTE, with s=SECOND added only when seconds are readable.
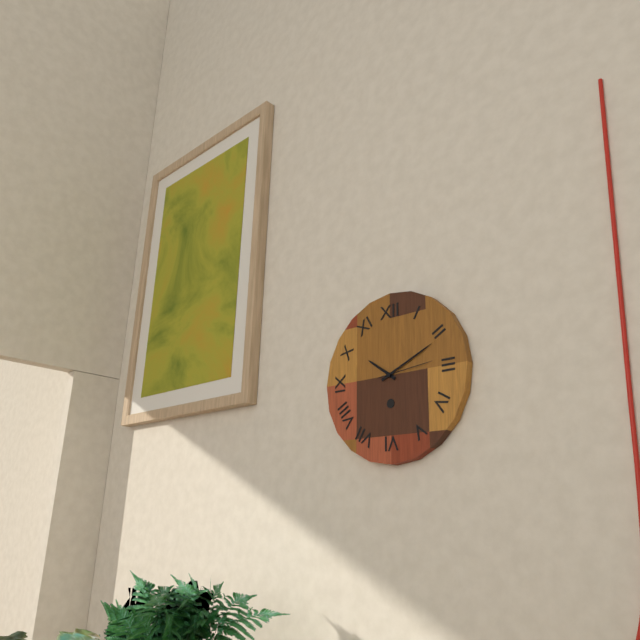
h=10 m=11 s=14
